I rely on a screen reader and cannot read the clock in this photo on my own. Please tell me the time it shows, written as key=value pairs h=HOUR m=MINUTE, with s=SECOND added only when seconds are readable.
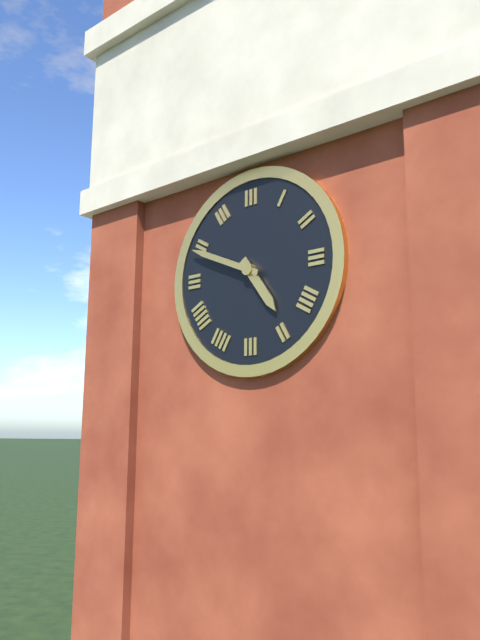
h=4 m=49
